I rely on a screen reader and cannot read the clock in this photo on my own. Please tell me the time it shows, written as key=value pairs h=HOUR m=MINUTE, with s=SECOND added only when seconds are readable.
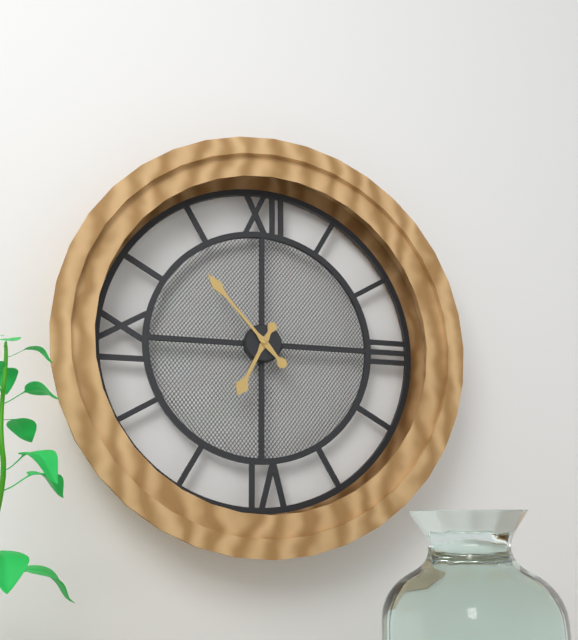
h=6 m=53
